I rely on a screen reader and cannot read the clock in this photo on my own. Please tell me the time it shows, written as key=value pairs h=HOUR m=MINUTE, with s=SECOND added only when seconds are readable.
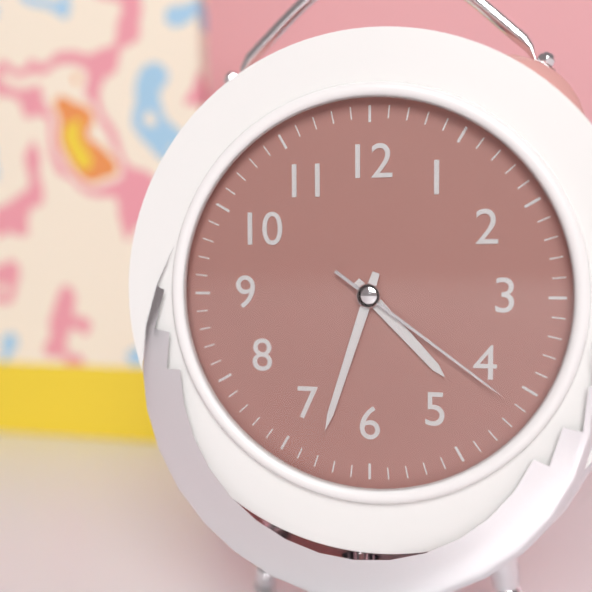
h=4 m=33 s=21
